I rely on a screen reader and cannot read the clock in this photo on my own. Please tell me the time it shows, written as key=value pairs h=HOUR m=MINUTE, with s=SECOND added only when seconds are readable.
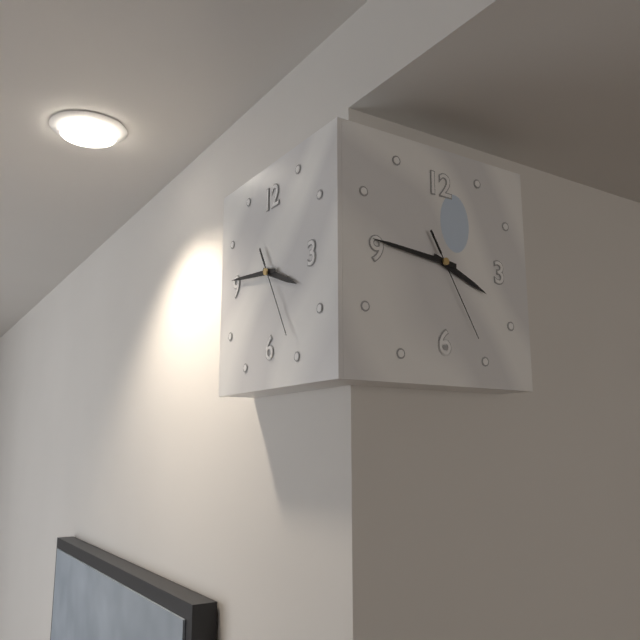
h=3 m=46 s=25
